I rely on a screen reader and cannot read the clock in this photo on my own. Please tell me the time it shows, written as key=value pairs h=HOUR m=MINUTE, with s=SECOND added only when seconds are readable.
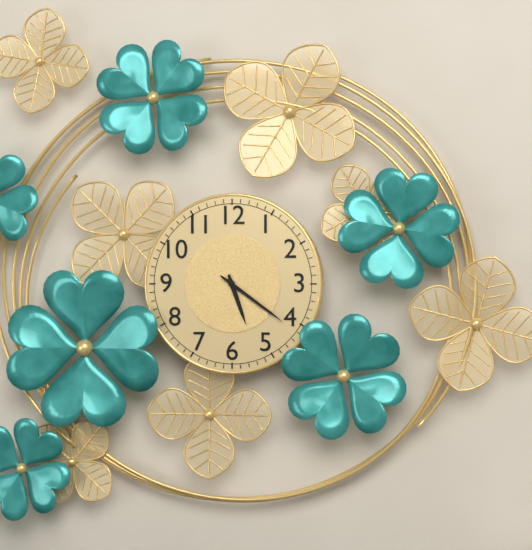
h=5 m=21
